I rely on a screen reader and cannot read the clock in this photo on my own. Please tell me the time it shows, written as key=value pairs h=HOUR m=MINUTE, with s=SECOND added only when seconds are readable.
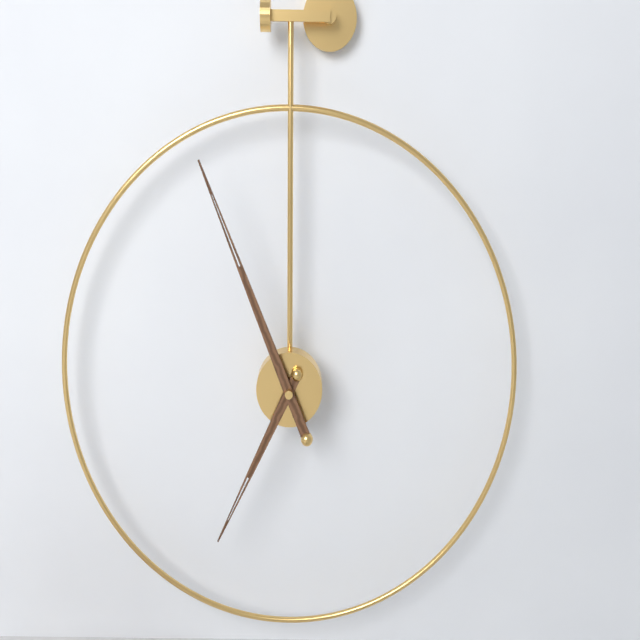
h=6 m=56
